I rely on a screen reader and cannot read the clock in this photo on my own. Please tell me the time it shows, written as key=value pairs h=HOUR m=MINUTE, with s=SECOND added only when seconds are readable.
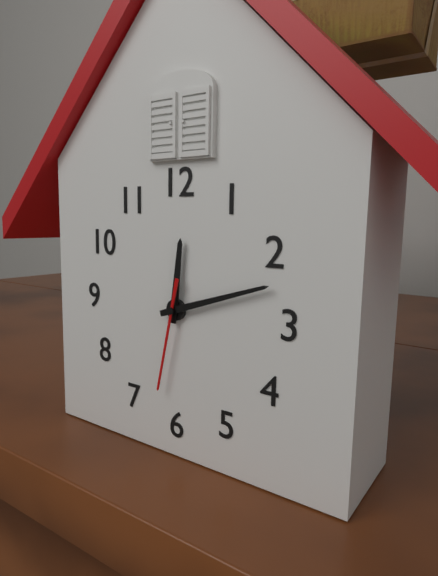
h=12 m=12 s=32
